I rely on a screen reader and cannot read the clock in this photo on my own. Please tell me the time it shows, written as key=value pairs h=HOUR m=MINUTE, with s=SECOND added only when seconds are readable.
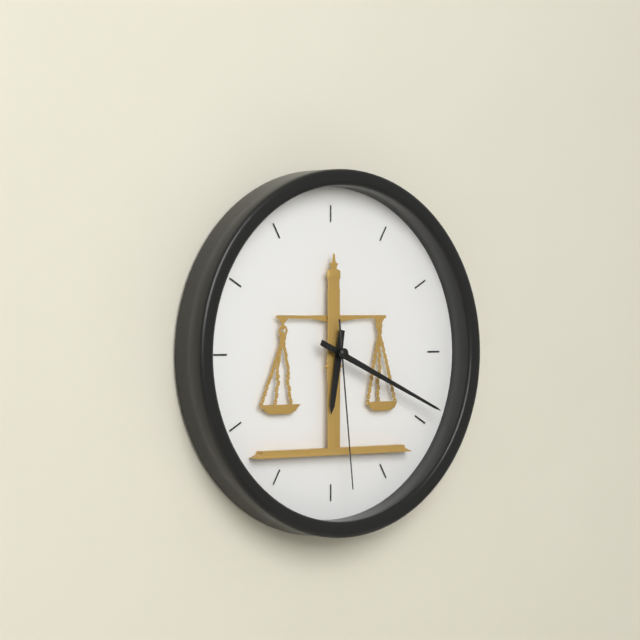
h=6 m=19 s=29
